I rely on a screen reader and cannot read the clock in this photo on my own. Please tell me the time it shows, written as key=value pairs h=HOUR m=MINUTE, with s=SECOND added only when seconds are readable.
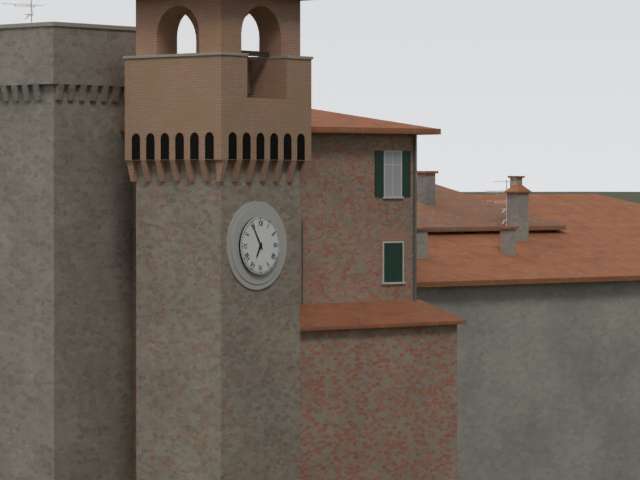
h=6 m=55
